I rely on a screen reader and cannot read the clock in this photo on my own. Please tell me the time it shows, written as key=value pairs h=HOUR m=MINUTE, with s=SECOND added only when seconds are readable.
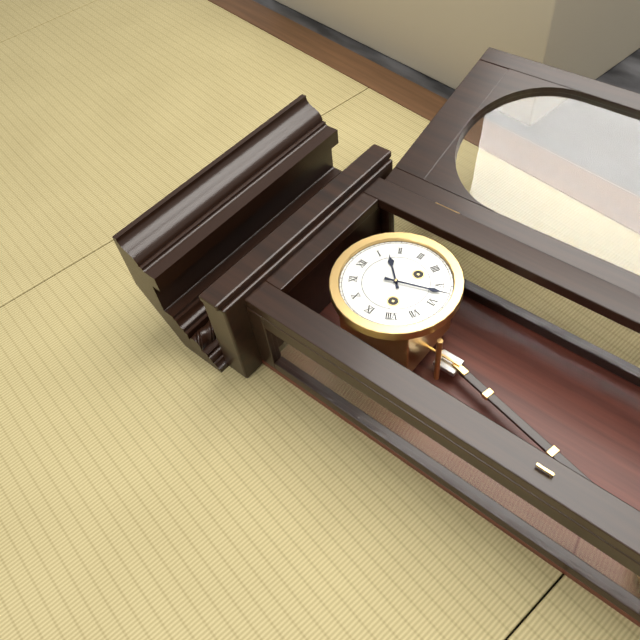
h=1 m=27
